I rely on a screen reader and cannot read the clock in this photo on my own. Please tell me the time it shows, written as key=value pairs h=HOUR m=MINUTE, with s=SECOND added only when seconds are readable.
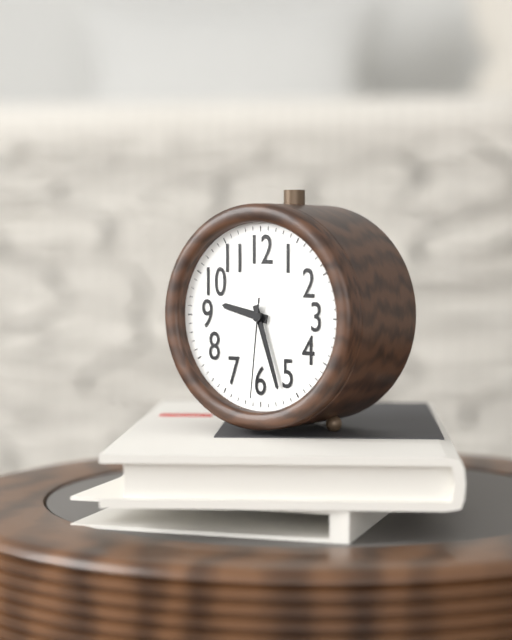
h=9 m=27 s=31
